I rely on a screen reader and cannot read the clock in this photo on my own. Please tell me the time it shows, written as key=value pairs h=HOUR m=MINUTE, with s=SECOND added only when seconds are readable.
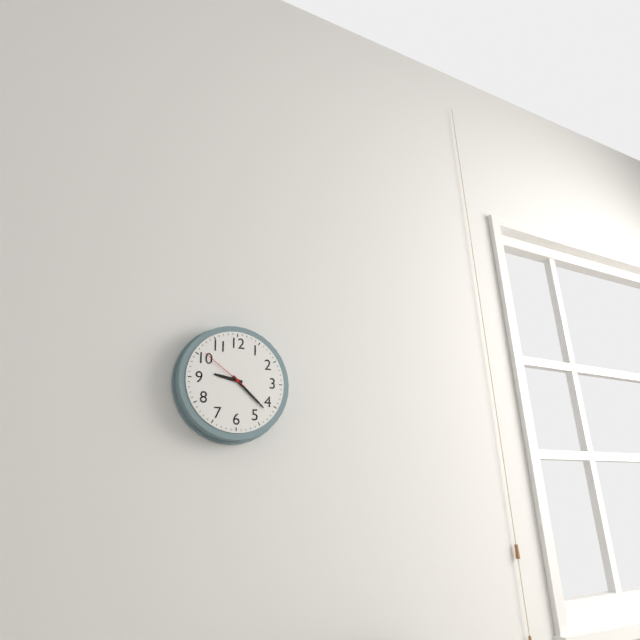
h=9 m=22 s=51
